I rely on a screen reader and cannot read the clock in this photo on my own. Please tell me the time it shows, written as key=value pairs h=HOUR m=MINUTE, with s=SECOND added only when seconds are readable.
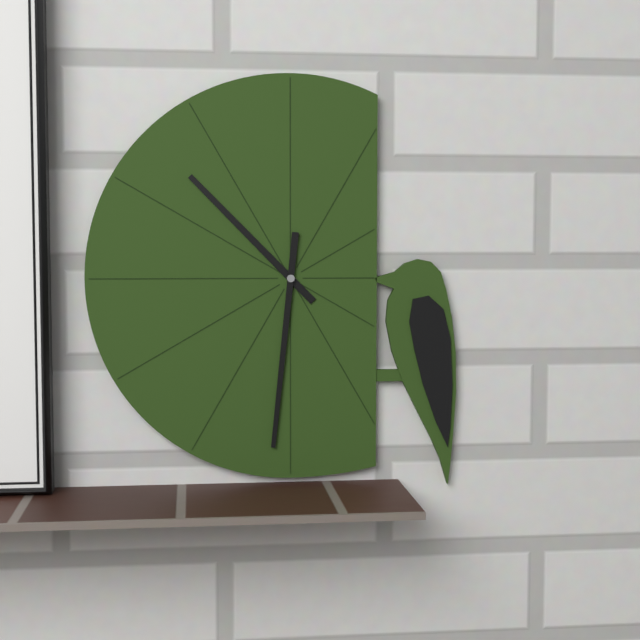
h=10 m=31
